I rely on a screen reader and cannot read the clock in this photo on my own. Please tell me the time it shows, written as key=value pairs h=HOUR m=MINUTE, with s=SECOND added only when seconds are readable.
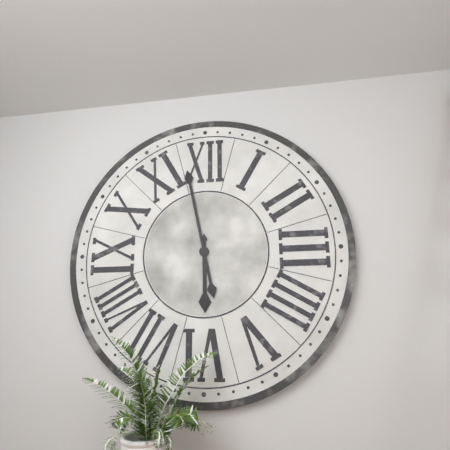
h=5 m=58
